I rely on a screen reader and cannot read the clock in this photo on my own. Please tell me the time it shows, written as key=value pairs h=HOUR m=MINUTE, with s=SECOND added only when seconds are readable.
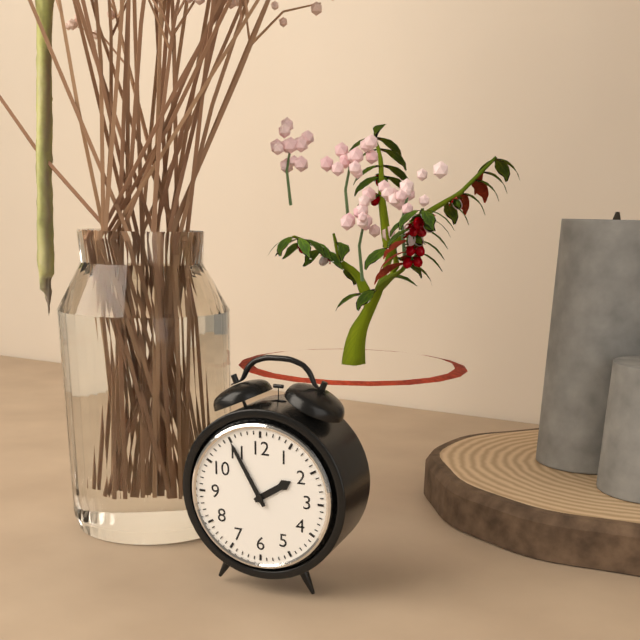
h=1 m=55
